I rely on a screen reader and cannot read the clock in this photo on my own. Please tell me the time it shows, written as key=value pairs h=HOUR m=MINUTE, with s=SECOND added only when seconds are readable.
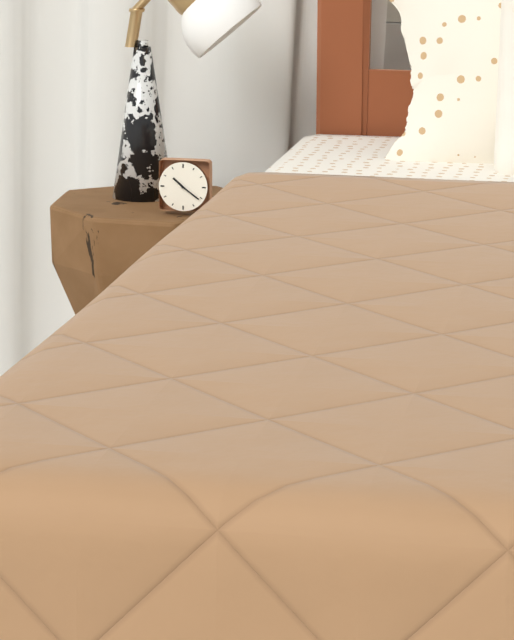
h=10 m=21
